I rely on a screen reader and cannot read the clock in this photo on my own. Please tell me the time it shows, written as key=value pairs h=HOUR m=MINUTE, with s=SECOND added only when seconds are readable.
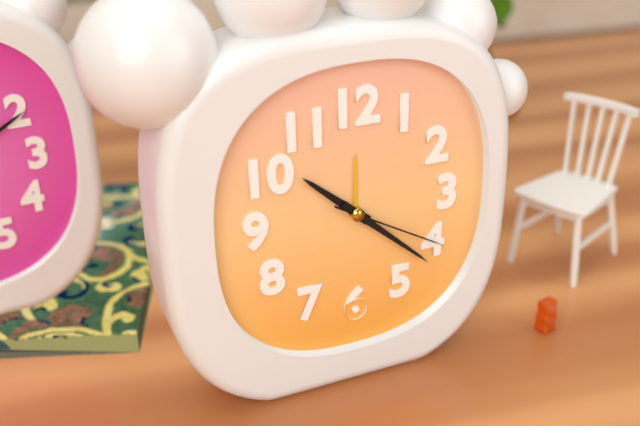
h=10 m=22 s=20
